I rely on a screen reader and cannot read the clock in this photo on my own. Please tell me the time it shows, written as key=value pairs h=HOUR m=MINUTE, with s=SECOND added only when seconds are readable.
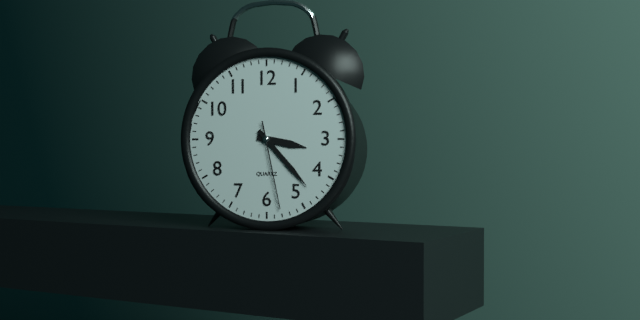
h=3 m=23 s=28
